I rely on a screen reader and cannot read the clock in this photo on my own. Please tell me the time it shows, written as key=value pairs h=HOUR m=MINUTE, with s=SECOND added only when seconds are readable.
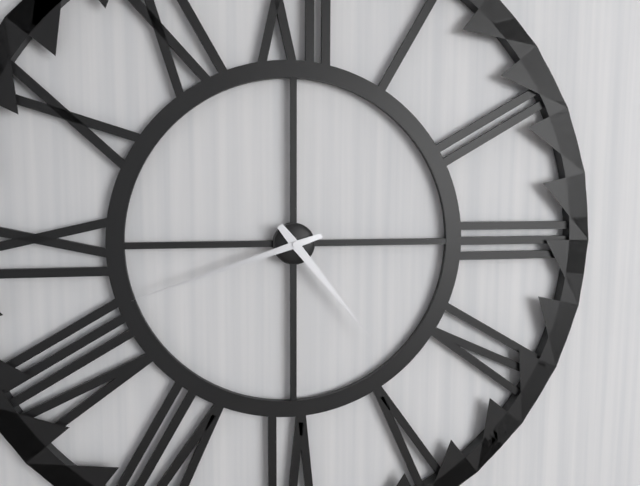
h=4 m=42
